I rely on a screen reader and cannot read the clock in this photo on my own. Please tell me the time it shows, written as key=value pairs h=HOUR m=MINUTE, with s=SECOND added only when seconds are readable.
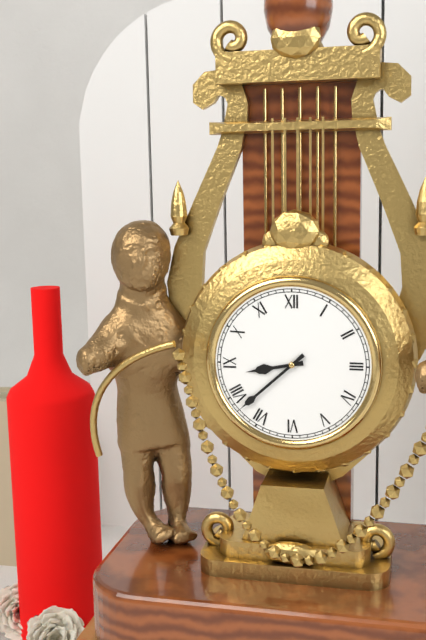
h=8 m=38
